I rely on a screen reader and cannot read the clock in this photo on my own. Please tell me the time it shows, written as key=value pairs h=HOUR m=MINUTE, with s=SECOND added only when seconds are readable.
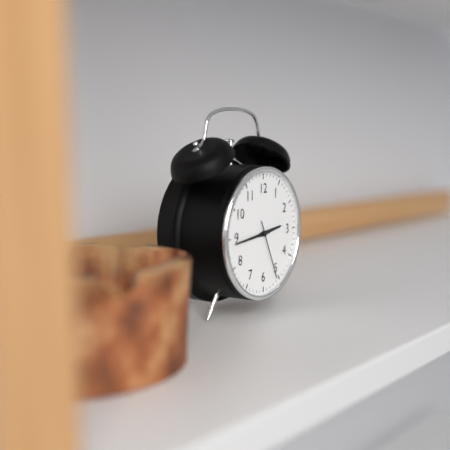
h=2 m=44 s=26
